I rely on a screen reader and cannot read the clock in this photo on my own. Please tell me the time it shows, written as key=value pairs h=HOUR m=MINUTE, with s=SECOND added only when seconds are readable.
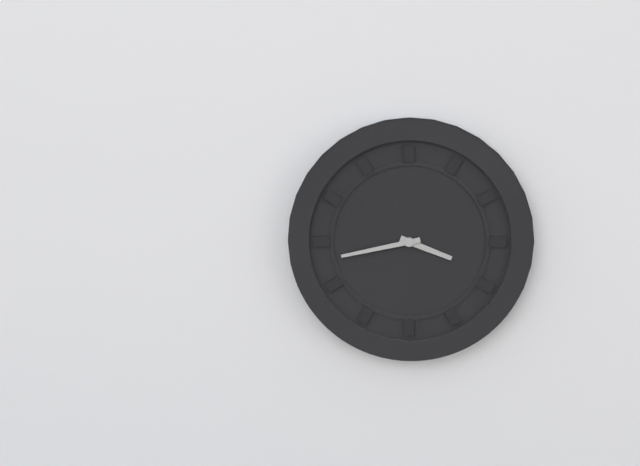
h=3 m=43
